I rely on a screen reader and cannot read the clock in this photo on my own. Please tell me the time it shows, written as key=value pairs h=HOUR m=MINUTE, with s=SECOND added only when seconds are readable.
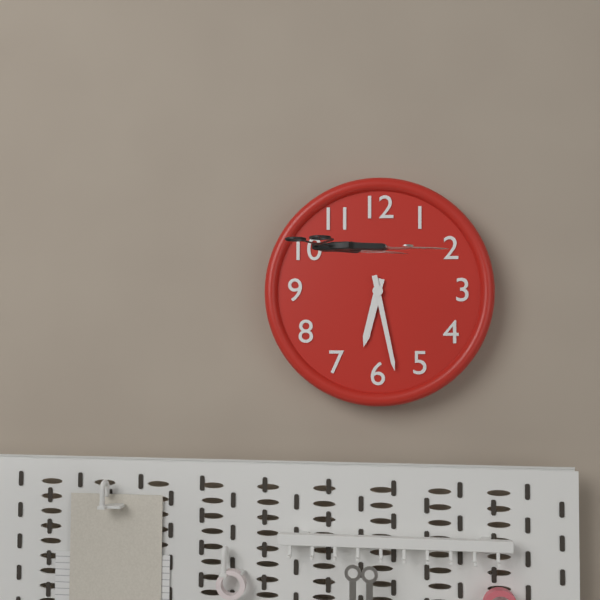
h=6 m=28
